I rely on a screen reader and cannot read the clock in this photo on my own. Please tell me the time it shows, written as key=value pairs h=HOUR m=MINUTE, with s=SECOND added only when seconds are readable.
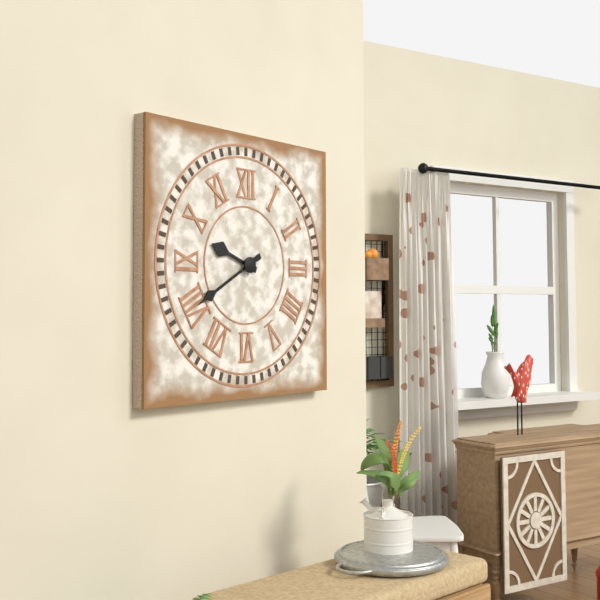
h=9 m=40
